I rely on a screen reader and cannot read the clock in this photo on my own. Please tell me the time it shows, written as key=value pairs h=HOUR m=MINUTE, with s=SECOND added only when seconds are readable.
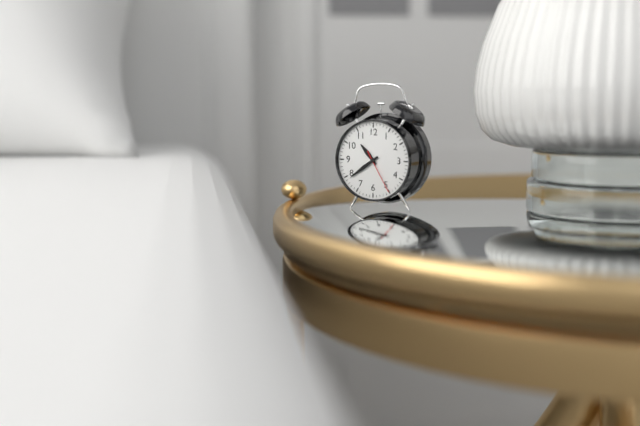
h=10 m=39
